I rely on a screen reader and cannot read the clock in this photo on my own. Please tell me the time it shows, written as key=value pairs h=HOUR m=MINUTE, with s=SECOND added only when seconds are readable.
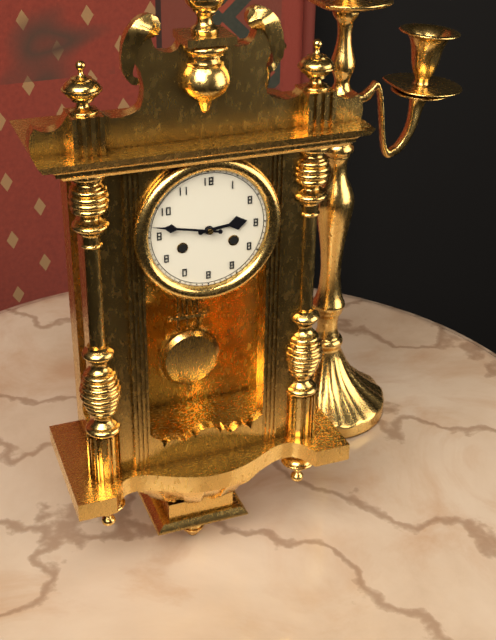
h=2 m=47
